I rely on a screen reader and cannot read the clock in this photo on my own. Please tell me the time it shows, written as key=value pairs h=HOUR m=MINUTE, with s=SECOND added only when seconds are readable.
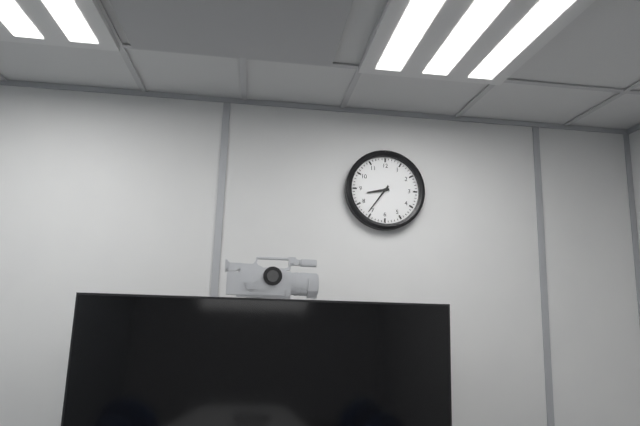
h=8 m=36
